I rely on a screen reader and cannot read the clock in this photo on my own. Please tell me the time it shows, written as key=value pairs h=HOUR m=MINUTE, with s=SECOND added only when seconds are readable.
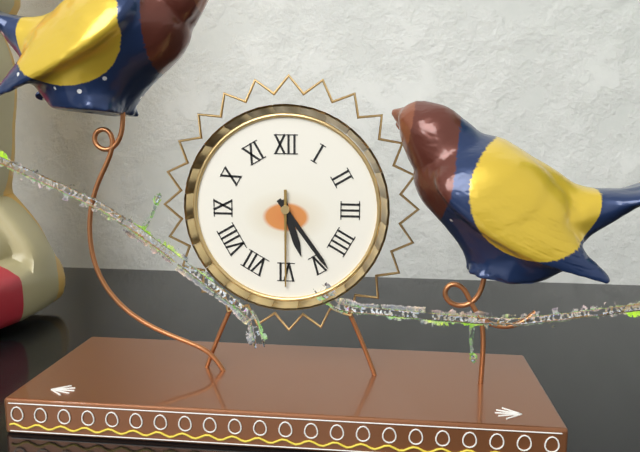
h=5 m=24 s=30
